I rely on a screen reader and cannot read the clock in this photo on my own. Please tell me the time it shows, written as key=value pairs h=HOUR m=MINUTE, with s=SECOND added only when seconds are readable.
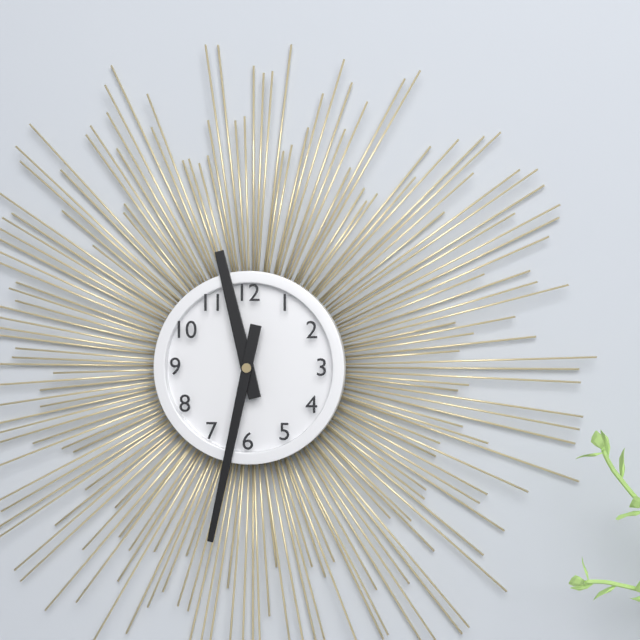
h=11 m=32
